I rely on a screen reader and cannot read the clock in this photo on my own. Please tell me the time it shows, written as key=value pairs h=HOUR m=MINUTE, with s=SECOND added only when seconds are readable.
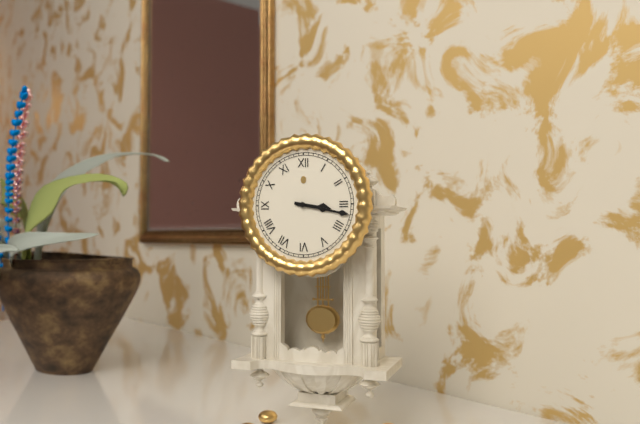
h=3 m=17
